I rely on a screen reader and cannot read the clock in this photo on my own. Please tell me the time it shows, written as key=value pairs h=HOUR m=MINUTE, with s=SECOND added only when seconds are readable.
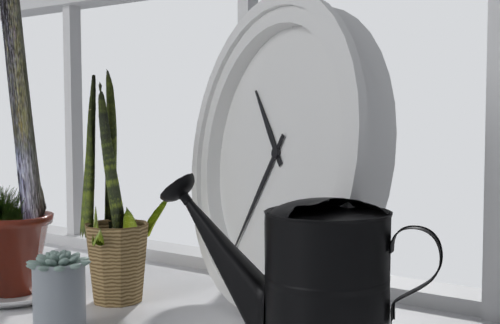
h=10 m=35
